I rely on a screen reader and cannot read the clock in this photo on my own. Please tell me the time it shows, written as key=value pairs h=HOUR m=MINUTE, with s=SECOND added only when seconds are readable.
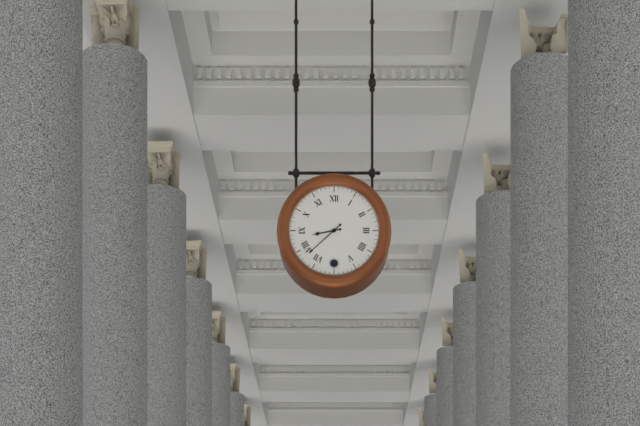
h=8 m=38
